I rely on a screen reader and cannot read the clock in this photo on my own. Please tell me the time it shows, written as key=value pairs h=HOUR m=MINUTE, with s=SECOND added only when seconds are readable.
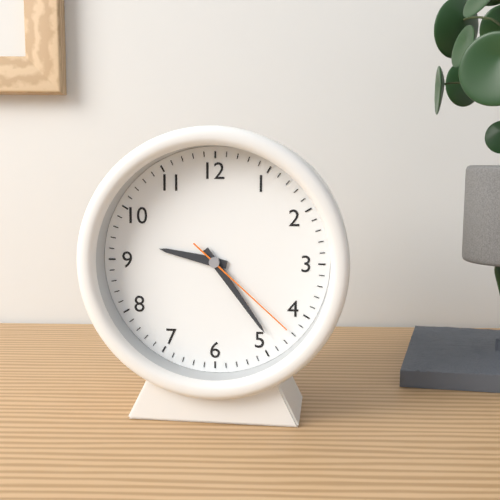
h=9 m=24 s=22
